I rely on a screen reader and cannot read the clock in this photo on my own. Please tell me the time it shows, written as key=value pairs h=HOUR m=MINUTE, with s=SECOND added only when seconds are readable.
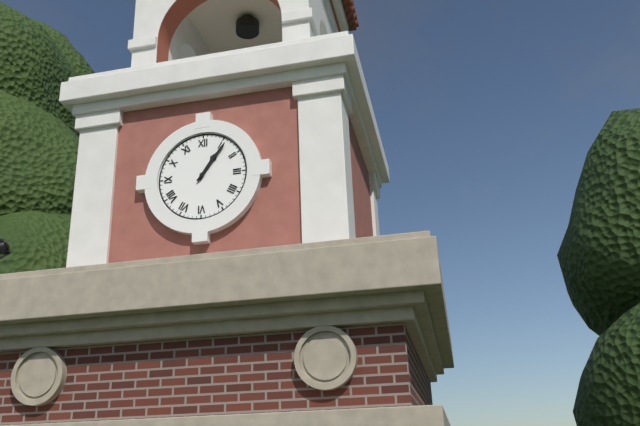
h=1 m=6
